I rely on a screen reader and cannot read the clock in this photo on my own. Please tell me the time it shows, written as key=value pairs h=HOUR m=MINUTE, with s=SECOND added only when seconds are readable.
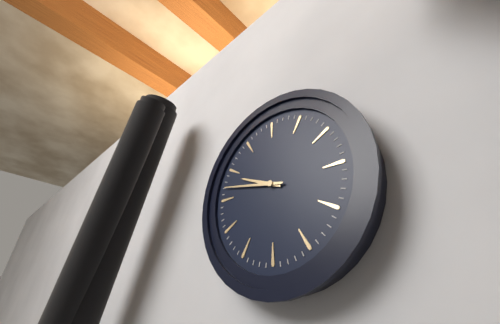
h=9 m=47
